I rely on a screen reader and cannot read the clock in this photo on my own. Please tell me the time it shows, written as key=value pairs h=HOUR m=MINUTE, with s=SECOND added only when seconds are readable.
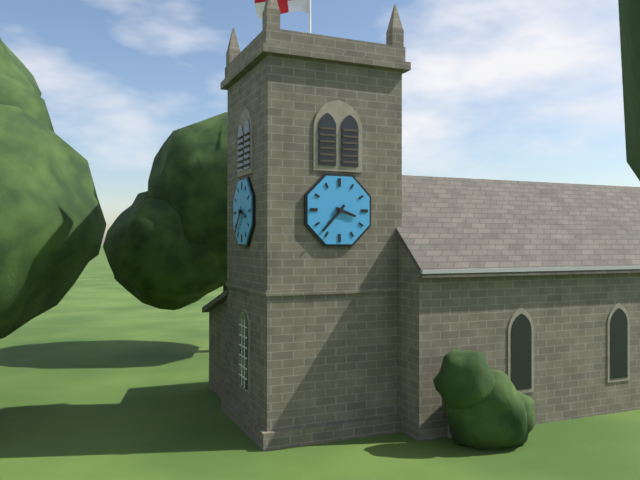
h=3 m=37
